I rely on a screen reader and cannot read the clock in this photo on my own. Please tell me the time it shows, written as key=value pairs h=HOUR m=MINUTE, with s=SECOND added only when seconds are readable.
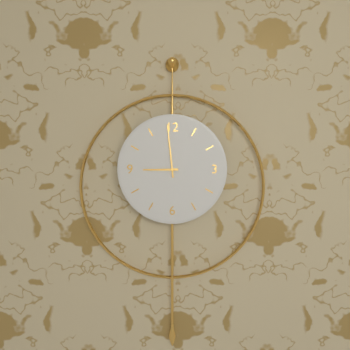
h=8 m=59
